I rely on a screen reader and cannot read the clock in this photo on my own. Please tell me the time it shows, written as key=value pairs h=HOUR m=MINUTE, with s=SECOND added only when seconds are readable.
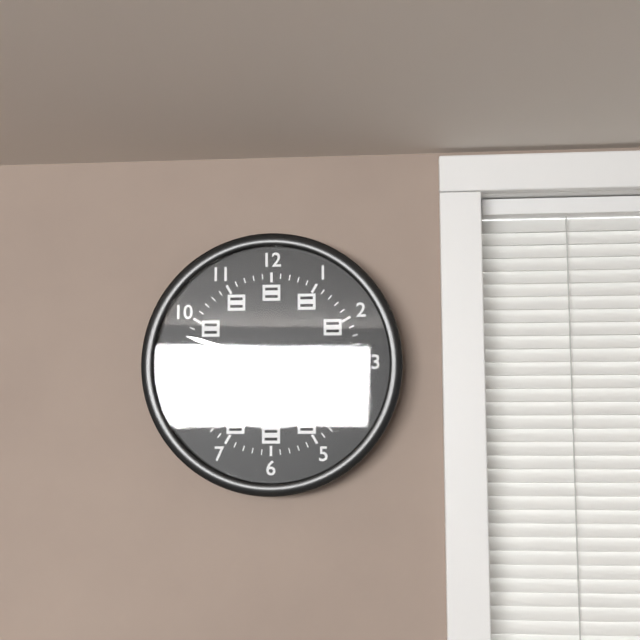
h=8 m=48 s=43
